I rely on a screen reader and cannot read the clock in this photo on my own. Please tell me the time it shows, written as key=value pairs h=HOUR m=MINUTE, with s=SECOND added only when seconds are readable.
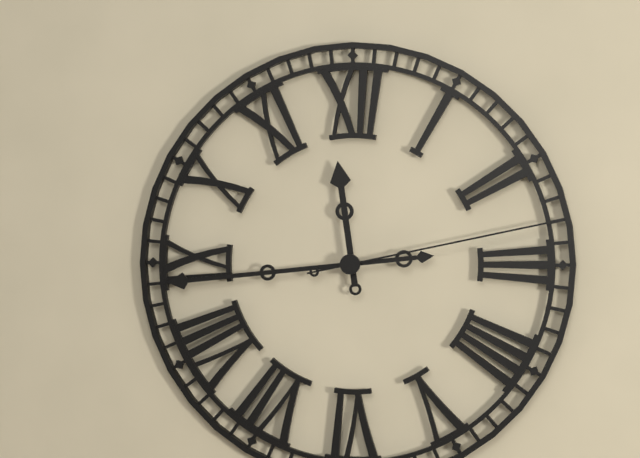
h=11 m=44 s=13
